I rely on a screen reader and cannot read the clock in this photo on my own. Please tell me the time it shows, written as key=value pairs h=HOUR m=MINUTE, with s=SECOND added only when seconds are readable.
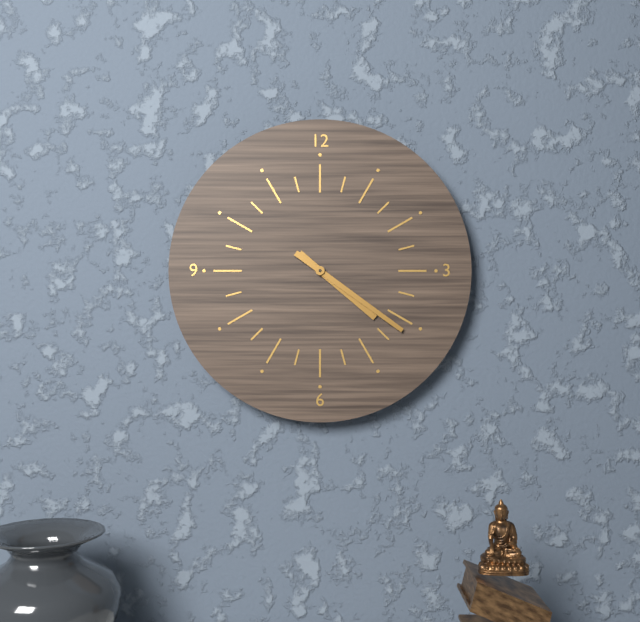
h=4 m=21
